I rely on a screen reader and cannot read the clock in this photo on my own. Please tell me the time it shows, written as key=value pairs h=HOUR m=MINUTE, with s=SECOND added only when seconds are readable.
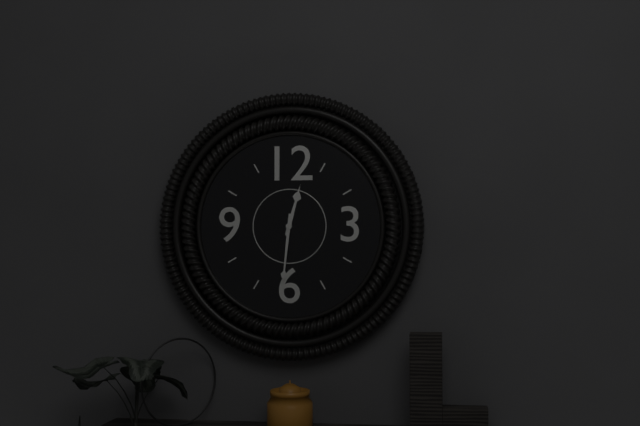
h=12 m=31
